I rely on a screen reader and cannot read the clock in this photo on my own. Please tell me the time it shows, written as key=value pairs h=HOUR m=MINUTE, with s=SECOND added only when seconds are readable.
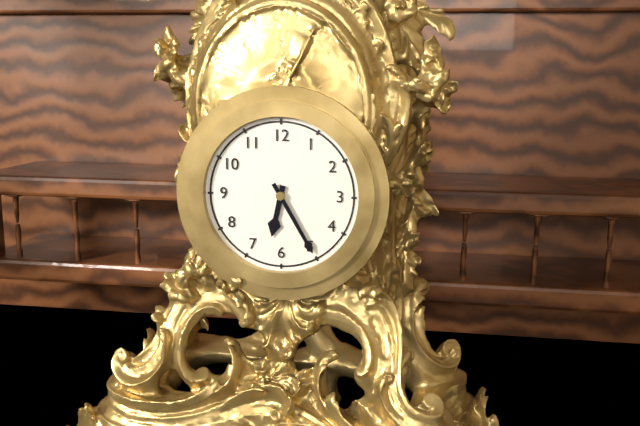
h=6 m=25
